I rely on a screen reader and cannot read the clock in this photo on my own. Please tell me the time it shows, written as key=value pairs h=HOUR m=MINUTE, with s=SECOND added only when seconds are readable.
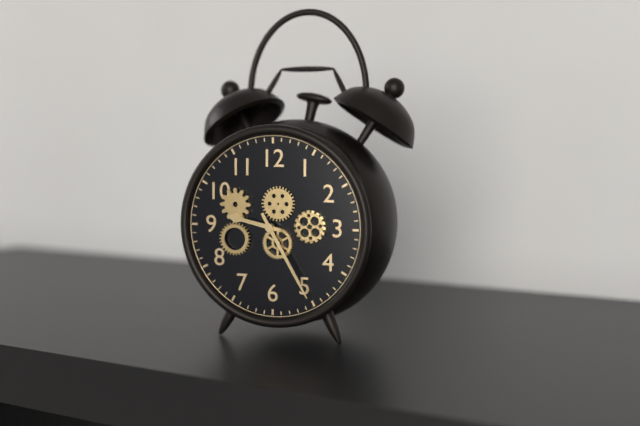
h=9 m=25
